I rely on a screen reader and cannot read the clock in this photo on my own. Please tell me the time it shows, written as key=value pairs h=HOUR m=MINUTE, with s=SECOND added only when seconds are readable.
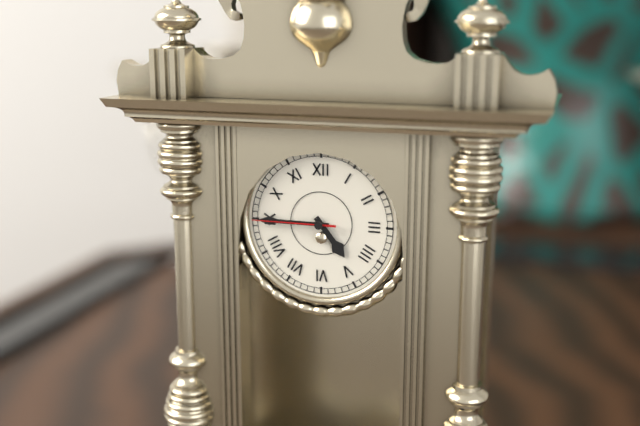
h=4 m=45 s=45
